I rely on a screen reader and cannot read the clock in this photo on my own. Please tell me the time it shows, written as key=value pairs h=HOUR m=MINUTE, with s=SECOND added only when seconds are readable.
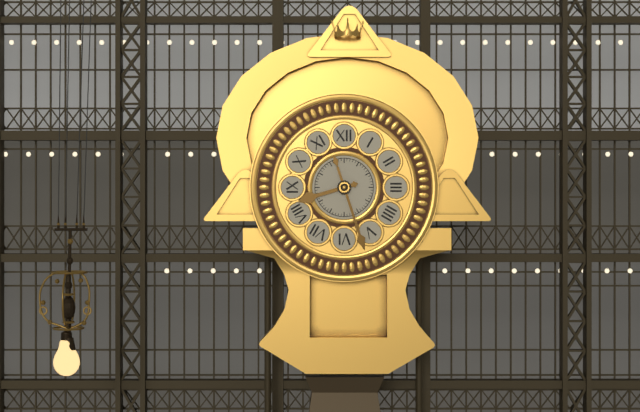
h=8 m=27
